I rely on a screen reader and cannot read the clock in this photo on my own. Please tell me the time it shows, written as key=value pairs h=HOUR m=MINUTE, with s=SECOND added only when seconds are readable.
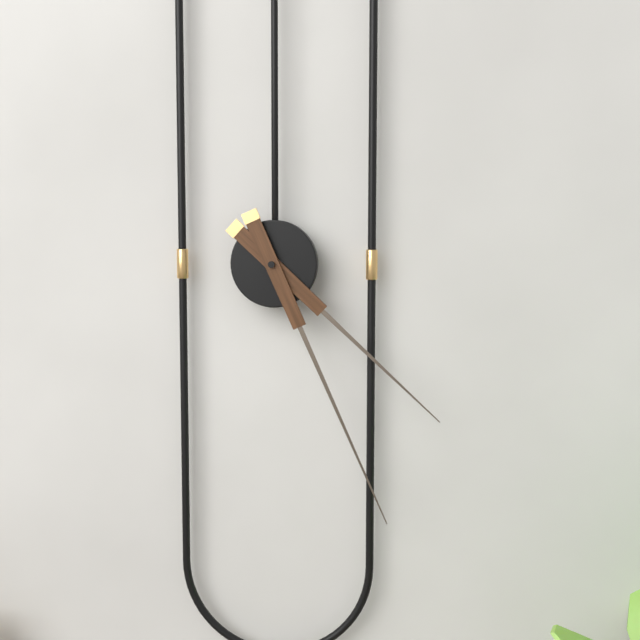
h=4 m=26
